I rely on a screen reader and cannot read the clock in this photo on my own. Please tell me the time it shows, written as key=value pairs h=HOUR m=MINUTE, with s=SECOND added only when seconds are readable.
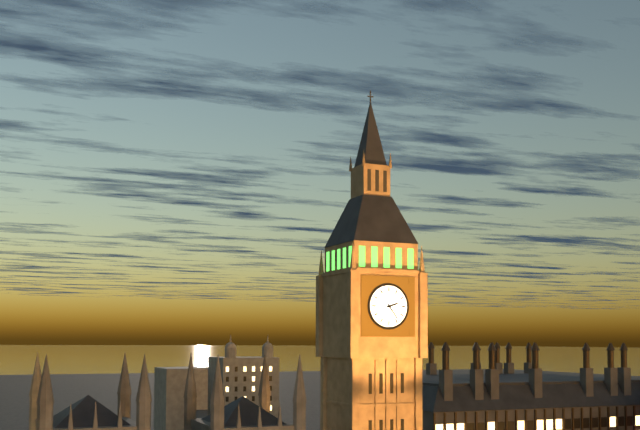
h=2 m=24
